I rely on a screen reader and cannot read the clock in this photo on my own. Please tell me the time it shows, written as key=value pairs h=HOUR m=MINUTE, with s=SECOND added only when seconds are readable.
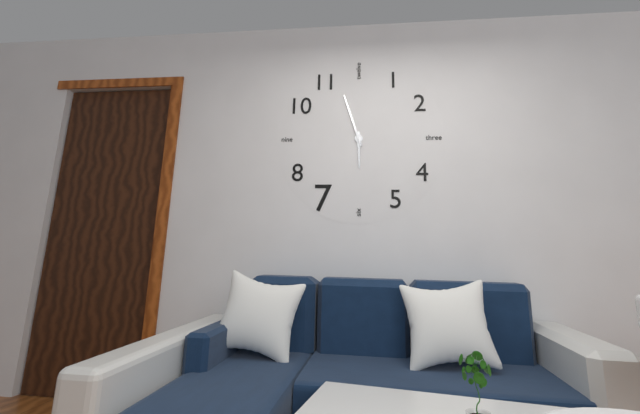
h=5 m=57
